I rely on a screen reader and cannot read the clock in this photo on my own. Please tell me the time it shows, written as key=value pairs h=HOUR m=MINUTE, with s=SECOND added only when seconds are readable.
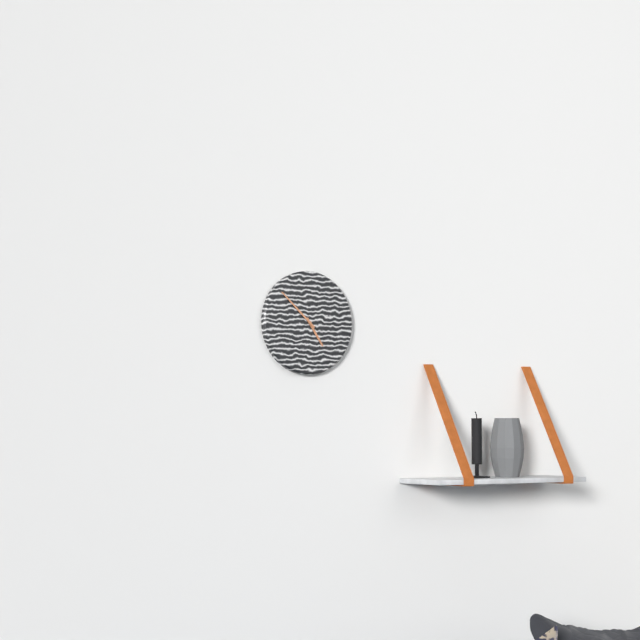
h=4 m=52
